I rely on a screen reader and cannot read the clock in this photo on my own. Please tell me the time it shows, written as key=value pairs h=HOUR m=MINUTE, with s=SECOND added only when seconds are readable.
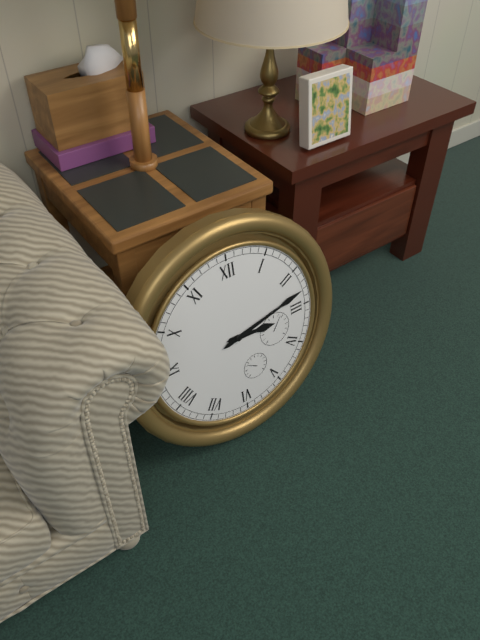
h=3 m=13
